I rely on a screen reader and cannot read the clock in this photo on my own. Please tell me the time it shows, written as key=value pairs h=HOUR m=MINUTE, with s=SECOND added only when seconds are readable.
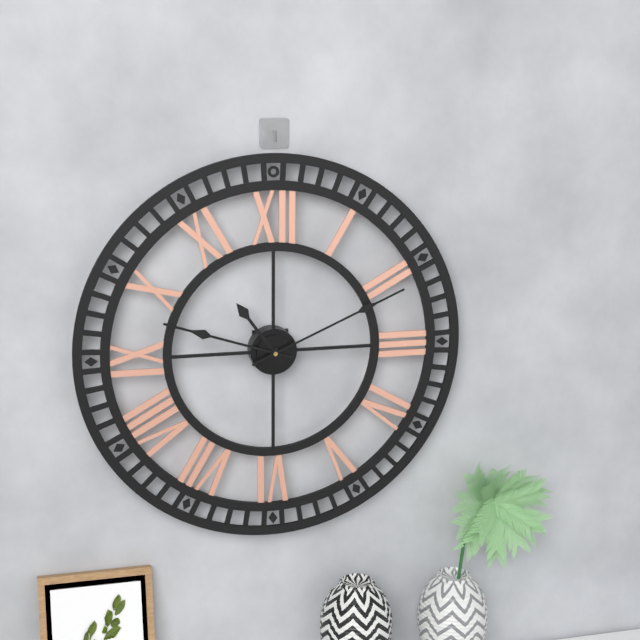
h=10 m=48 s=11
